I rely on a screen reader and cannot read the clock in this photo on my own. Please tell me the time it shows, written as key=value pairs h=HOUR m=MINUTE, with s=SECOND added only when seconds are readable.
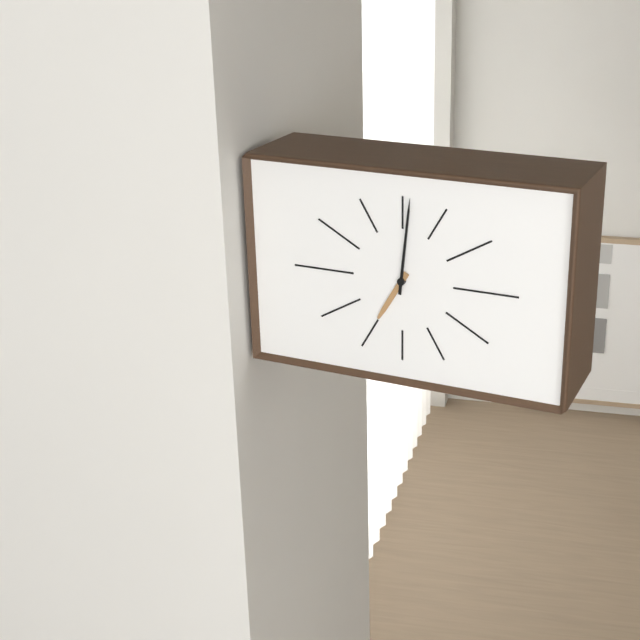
h=7 m=1
